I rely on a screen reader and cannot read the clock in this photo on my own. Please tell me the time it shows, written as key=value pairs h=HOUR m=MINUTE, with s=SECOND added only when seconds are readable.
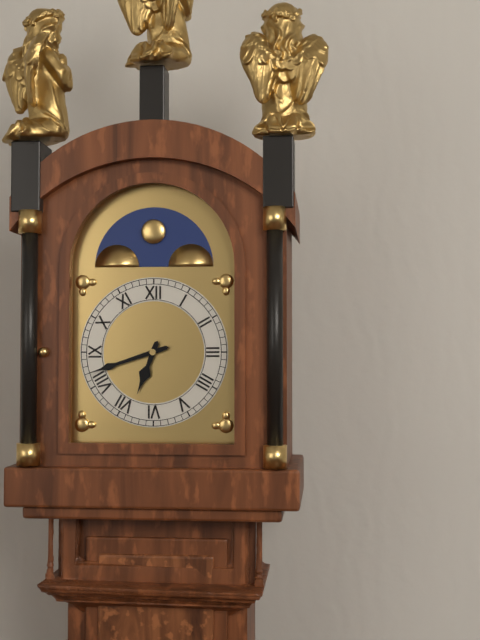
h=6 m=42
